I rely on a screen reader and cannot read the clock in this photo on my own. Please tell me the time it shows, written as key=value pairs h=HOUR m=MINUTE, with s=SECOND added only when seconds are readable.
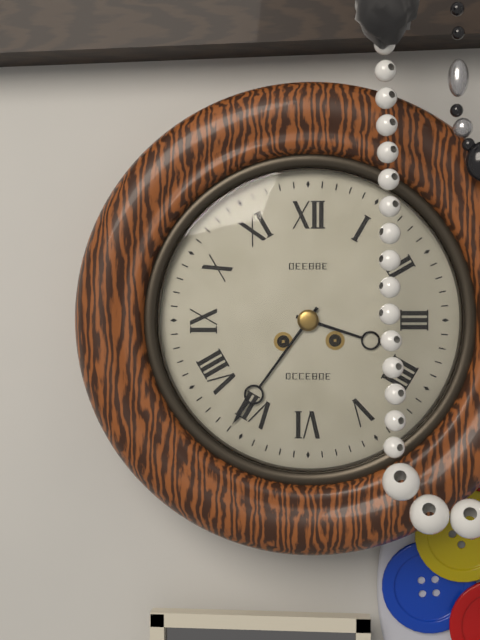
h=3 m=36
